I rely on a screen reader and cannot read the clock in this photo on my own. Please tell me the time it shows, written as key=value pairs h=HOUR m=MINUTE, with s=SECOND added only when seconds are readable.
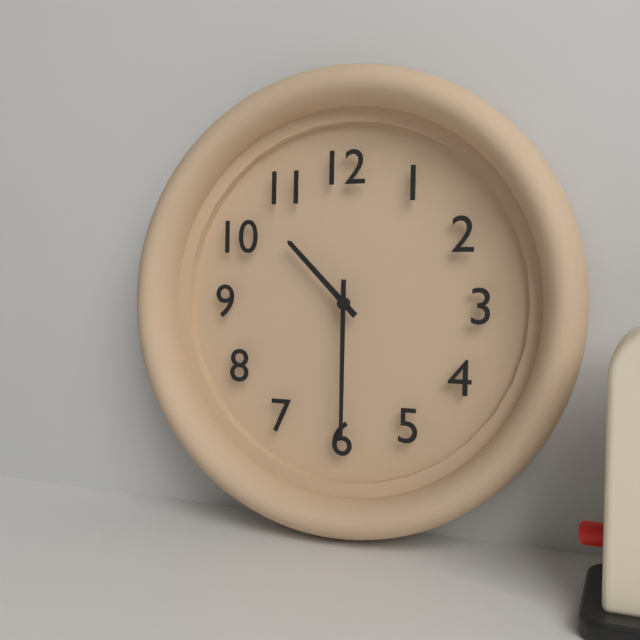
h=10 m=30
